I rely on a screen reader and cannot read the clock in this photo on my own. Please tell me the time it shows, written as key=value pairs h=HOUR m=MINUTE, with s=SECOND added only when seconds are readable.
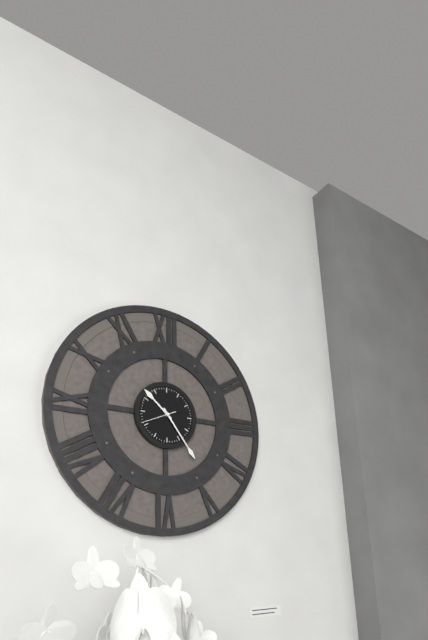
h=10 m=24
